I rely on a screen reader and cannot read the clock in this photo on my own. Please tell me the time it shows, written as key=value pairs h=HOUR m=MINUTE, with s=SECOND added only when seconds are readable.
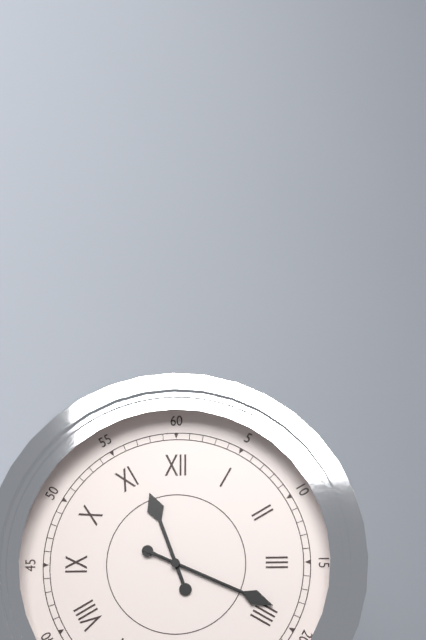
h=11 m=19 s=19
